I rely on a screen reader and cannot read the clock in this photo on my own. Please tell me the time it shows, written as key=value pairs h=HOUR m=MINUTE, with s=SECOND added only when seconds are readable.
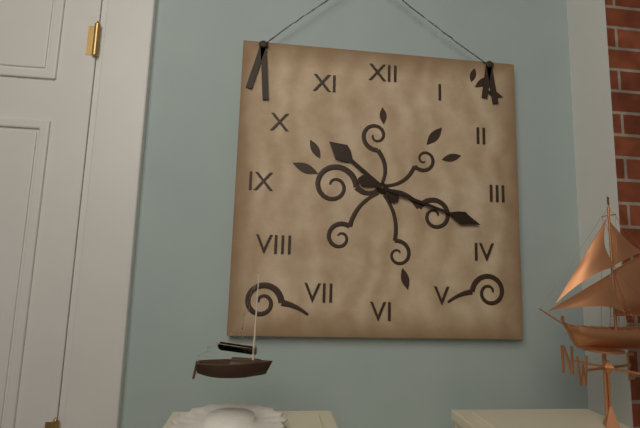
h=10 m=18
